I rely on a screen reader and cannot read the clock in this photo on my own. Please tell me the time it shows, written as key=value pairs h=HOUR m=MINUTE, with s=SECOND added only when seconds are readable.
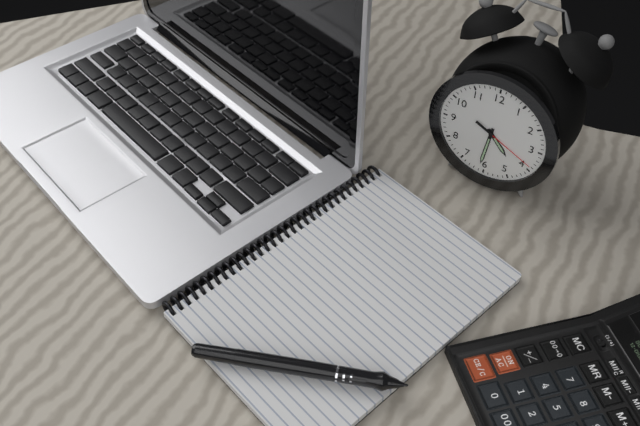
h=4 m=31 s=19
